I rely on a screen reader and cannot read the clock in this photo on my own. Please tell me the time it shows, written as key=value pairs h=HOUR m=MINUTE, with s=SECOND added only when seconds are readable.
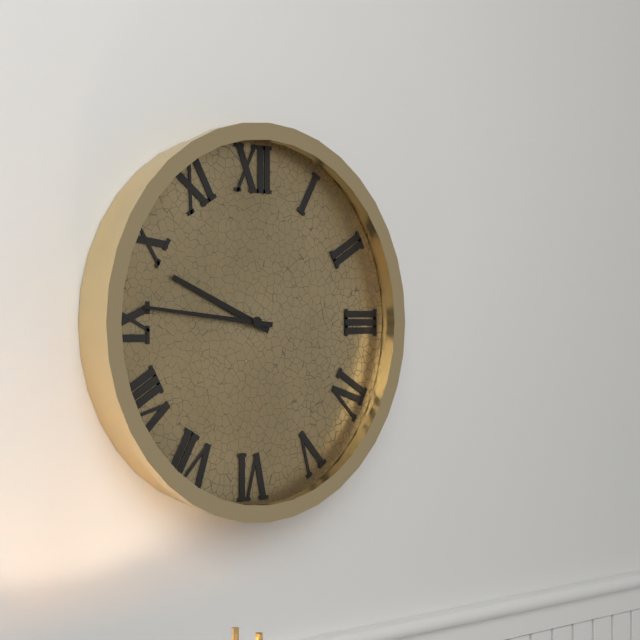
h=9 m=46
